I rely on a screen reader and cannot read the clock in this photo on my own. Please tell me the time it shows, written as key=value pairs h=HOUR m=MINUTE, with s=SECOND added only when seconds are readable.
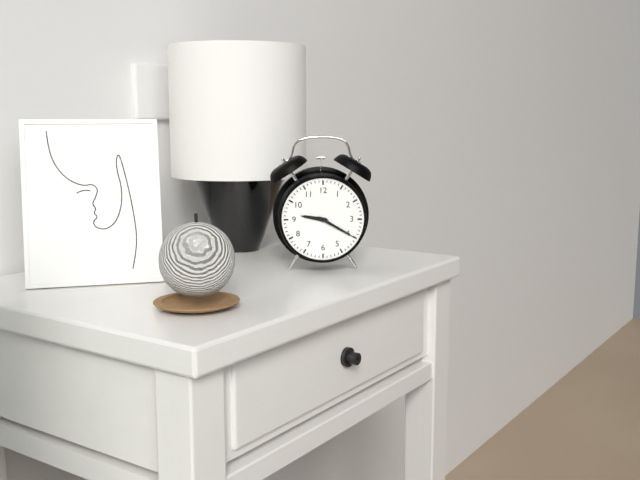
h=9 m=20
